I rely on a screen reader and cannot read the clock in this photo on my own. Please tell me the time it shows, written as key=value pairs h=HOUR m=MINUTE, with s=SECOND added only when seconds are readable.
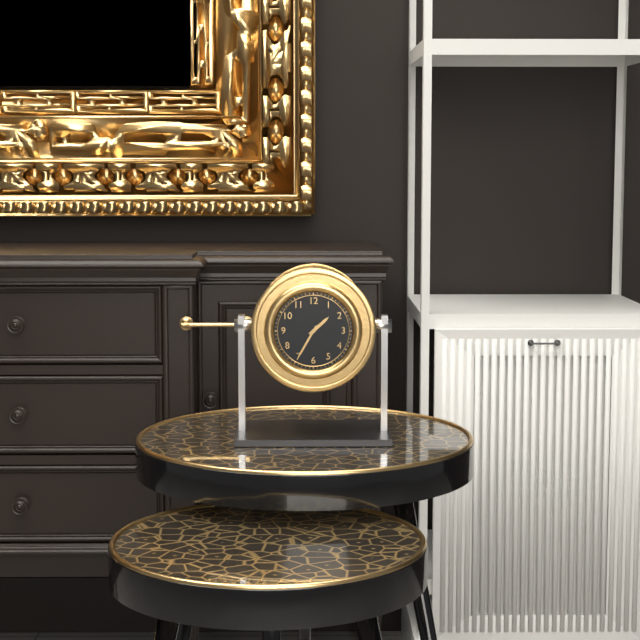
h=1 m=35
